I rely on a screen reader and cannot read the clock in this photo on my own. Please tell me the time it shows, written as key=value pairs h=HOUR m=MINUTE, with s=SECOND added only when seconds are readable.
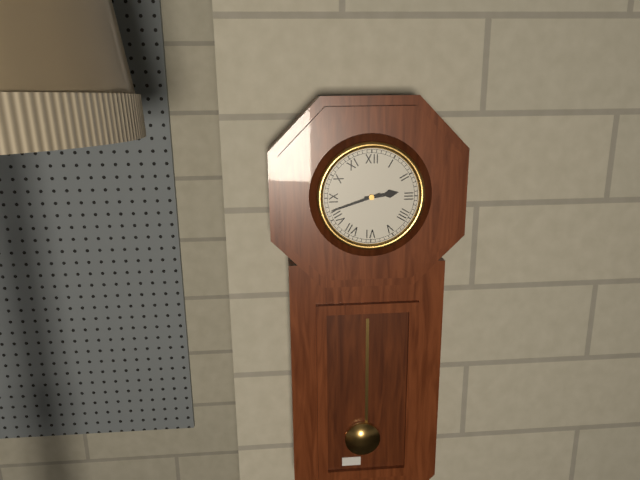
h=2 m=42
